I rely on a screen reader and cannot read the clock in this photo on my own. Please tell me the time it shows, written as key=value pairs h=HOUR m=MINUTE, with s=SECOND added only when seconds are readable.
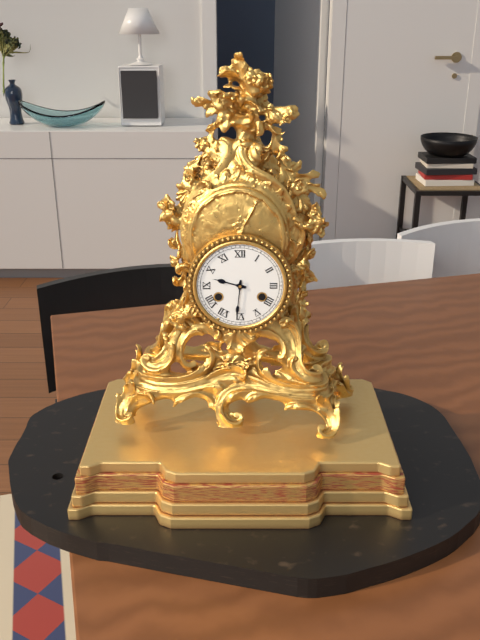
h=9 m=31
